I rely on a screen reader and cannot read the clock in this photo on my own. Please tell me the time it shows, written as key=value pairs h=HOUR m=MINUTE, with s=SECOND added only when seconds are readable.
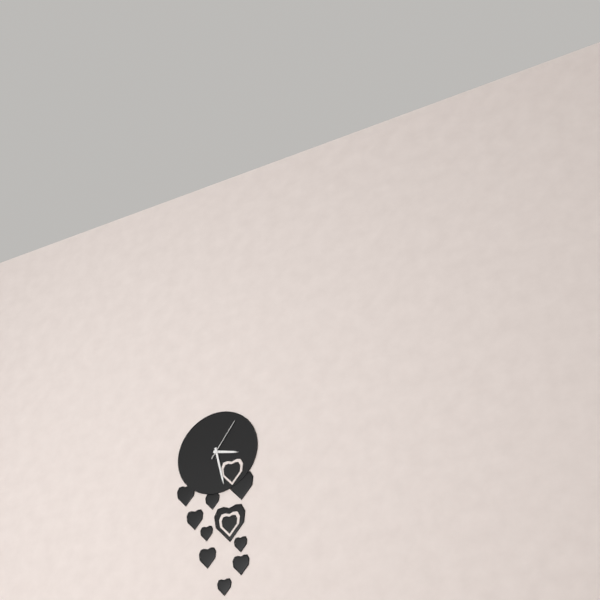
h=3 m=28
